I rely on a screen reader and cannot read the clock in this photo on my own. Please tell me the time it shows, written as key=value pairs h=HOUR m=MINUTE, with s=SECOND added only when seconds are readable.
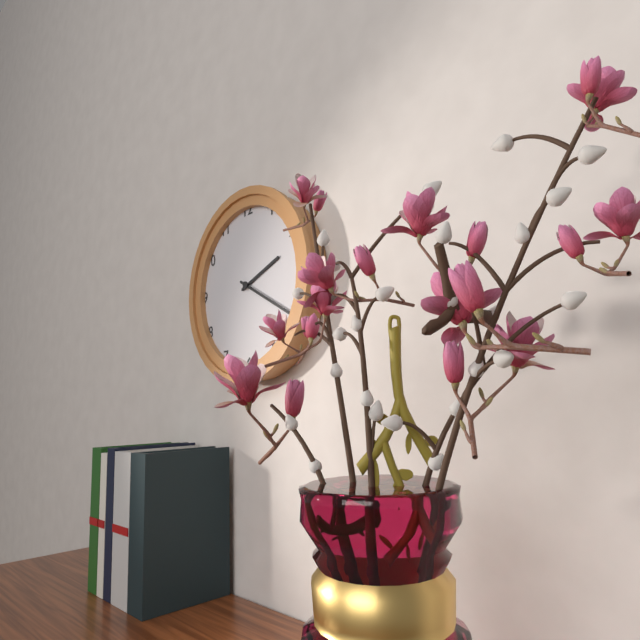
h=2 m=20
